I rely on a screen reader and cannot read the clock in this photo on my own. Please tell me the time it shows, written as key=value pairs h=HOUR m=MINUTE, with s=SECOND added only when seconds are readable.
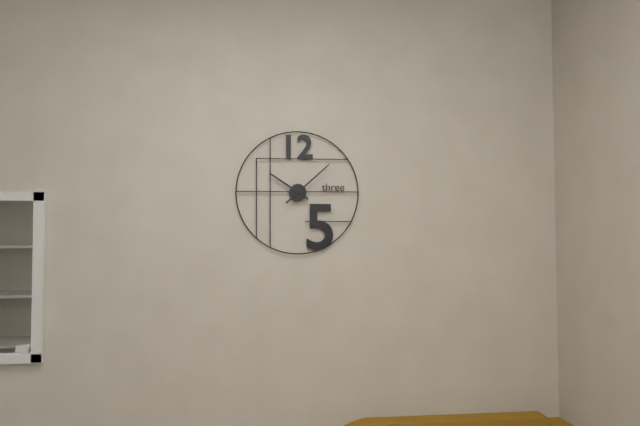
h=10 m=8
